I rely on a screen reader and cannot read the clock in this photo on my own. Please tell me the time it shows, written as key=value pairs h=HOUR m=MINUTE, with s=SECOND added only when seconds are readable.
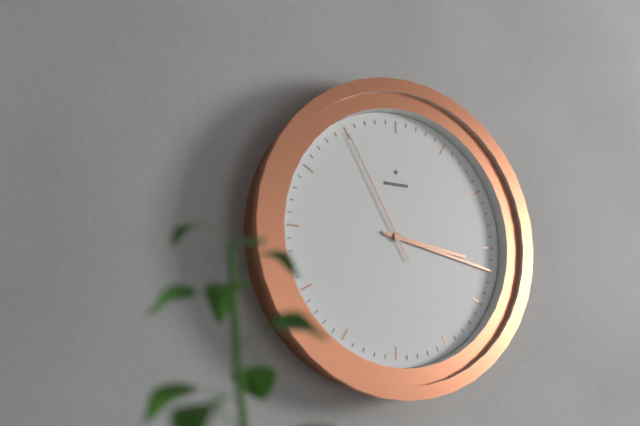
h=3 m=17 s=55
